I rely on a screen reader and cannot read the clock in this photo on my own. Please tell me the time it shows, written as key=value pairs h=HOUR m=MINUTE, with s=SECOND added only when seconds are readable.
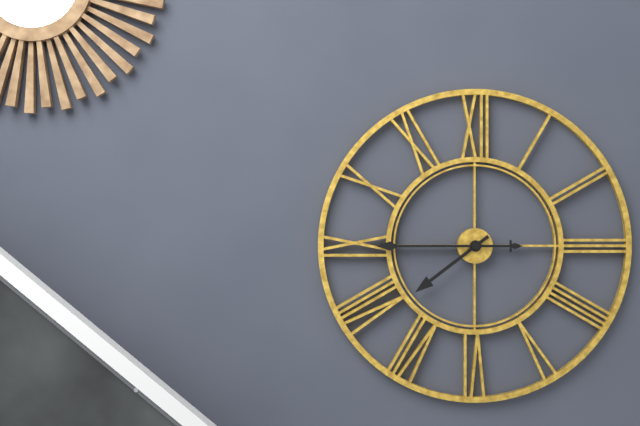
h=7 m=45
